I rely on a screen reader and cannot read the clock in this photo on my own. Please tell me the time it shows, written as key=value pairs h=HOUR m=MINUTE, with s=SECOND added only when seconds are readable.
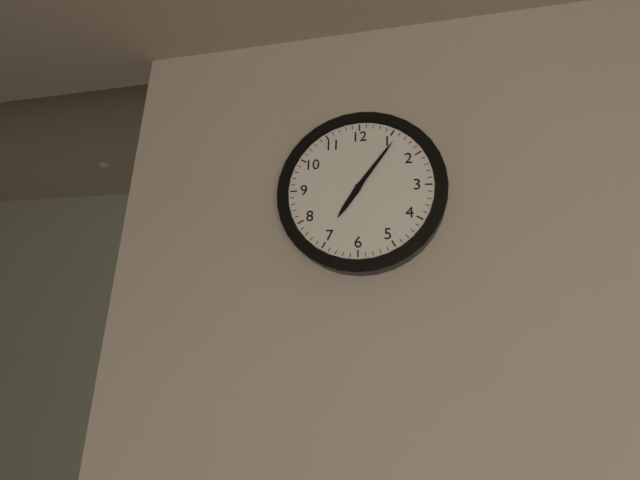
h=7 m=6
